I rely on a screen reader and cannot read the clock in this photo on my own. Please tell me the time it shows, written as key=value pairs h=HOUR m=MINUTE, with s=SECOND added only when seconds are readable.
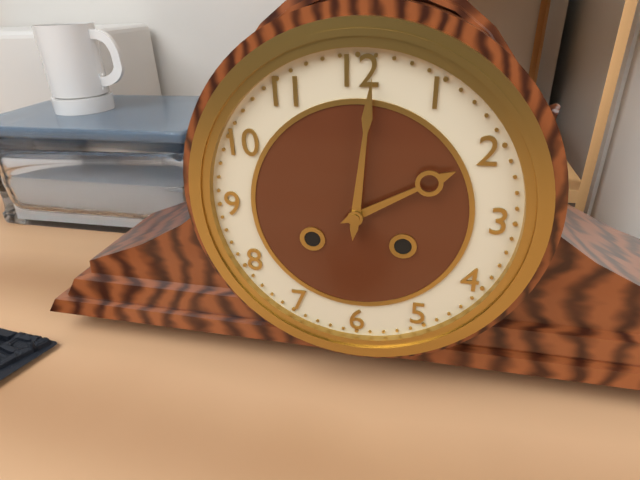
h=2 m=1
